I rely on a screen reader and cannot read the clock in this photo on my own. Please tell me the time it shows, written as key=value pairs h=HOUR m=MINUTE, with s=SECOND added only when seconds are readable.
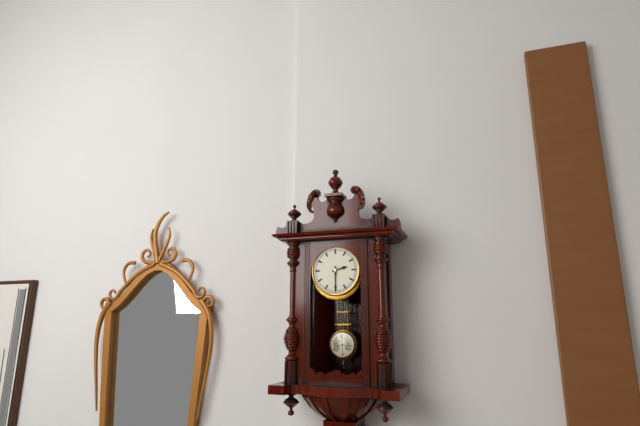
h=2 m=30
